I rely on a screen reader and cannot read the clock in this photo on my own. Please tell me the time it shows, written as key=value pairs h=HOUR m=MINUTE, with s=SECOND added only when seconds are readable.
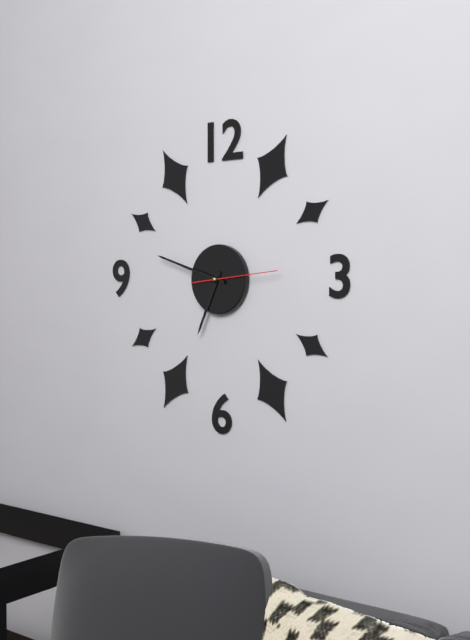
h=6 m=48 s=14
